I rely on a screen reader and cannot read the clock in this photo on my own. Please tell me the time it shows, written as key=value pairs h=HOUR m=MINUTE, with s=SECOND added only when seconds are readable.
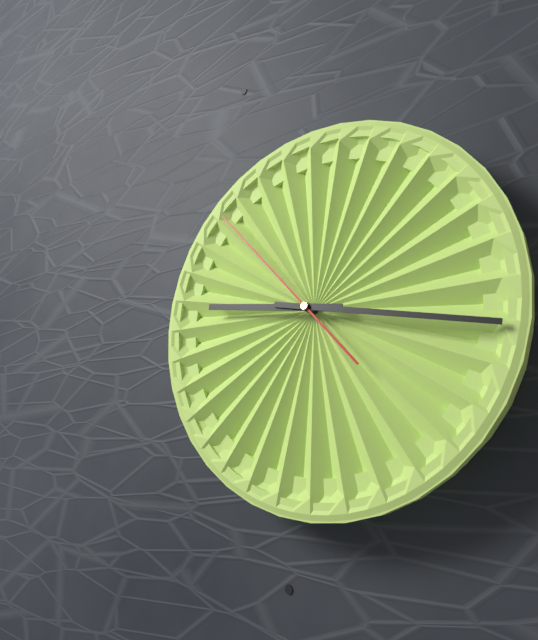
h=9 m=17 s=53
